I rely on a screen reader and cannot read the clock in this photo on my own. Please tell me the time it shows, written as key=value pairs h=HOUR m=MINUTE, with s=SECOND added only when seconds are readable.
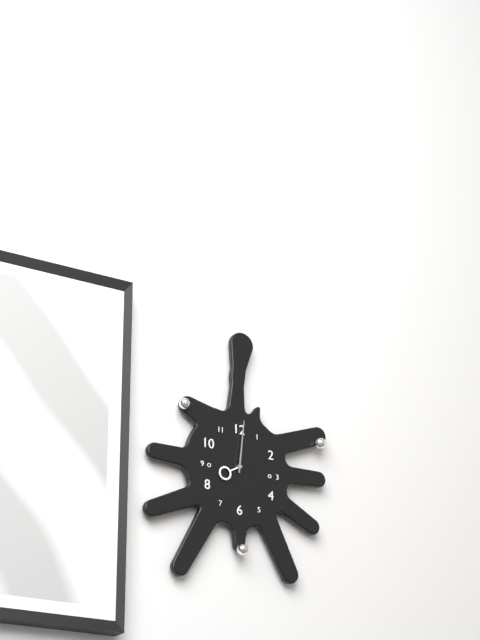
h=8 m=1
